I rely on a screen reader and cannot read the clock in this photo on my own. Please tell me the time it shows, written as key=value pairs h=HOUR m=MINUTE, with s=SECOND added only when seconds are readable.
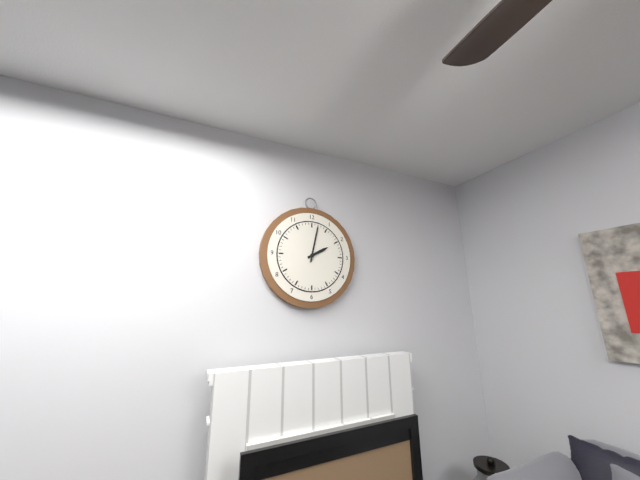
h=2 m=2
